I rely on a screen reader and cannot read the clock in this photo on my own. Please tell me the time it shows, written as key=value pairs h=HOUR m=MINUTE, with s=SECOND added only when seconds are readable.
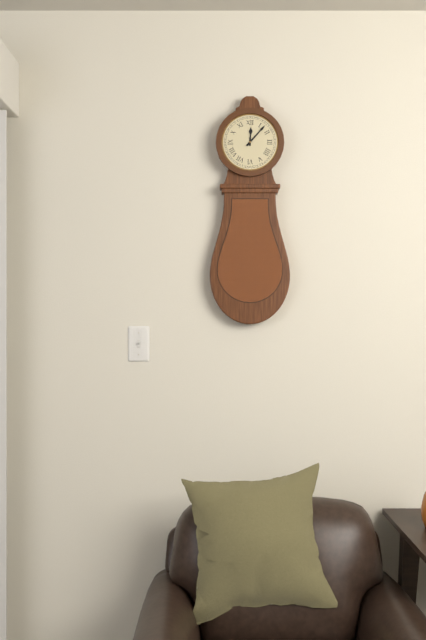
h=12 m=7
